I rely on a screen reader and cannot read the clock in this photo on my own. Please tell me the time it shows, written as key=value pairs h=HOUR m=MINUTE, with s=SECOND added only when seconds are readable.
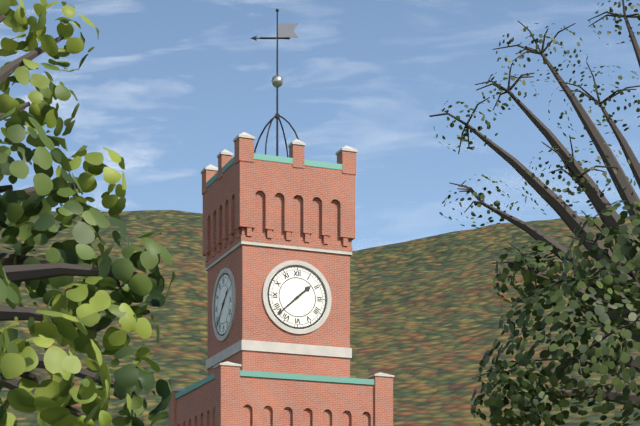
h=1 m=38
